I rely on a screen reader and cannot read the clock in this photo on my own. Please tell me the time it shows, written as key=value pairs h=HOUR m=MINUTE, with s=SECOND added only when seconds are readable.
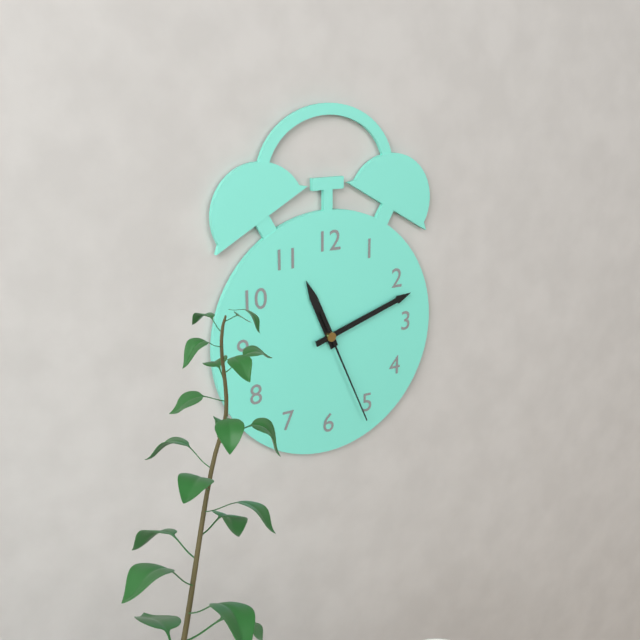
h=11 m=12 s=26
